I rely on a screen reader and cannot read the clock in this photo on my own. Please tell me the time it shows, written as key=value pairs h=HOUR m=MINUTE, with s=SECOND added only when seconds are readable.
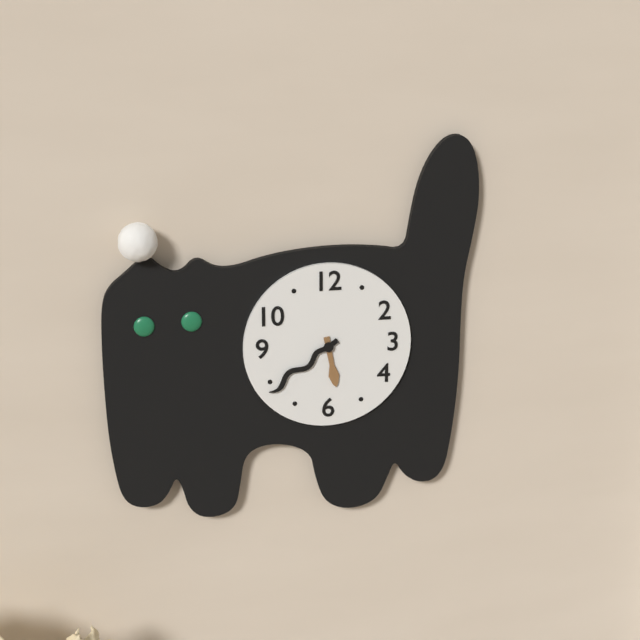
h=5 m=39
